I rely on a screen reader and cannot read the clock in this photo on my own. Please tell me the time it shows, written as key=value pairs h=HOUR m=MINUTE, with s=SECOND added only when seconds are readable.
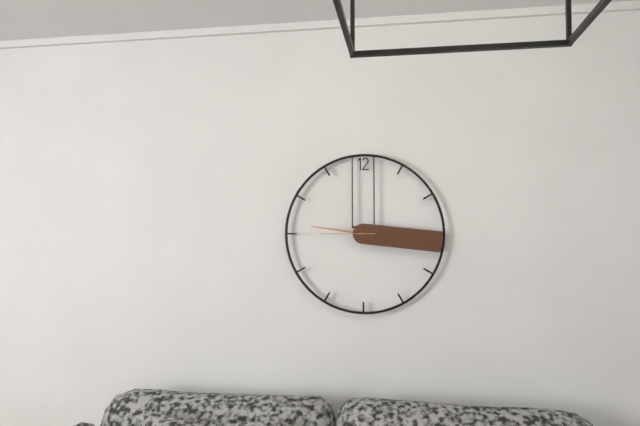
h=9 m=16 s=45
